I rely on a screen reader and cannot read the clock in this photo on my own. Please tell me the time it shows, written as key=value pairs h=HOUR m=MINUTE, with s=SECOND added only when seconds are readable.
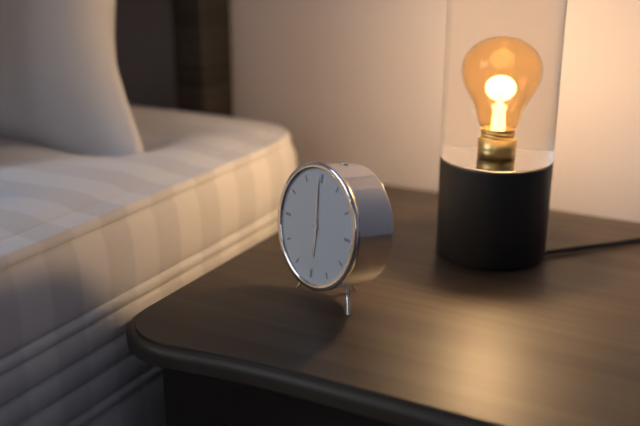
h=5 m=59
